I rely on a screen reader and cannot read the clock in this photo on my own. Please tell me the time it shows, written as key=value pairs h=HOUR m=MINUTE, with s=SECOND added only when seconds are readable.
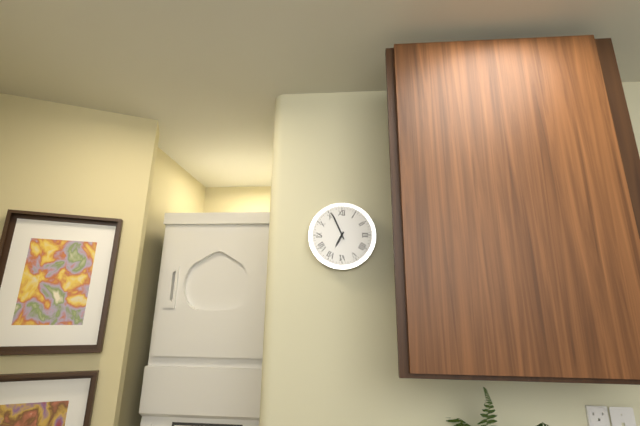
h=6 m=56
